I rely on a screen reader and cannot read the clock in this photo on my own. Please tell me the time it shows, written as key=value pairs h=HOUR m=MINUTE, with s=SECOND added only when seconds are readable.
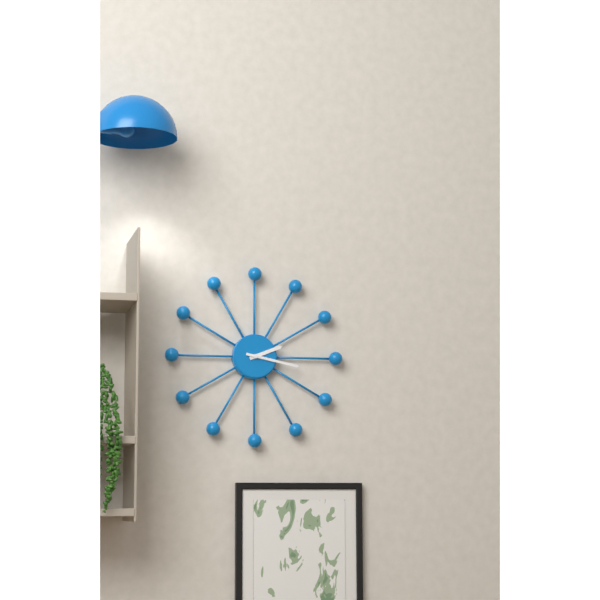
h=2 m=17
